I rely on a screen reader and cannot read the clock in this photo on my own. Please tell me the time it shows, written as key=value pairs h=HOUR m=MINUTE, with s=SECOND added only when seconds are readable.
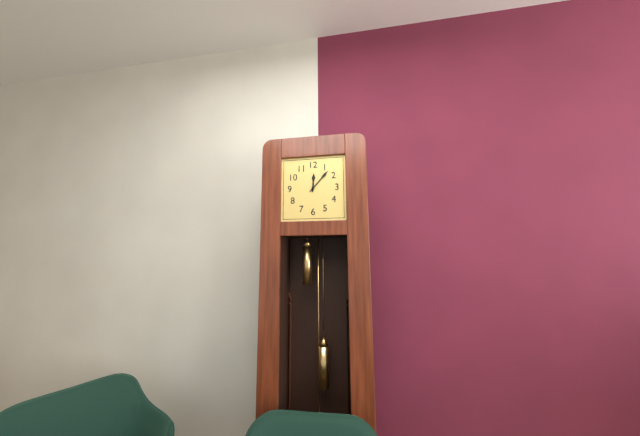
h=12 m=7
